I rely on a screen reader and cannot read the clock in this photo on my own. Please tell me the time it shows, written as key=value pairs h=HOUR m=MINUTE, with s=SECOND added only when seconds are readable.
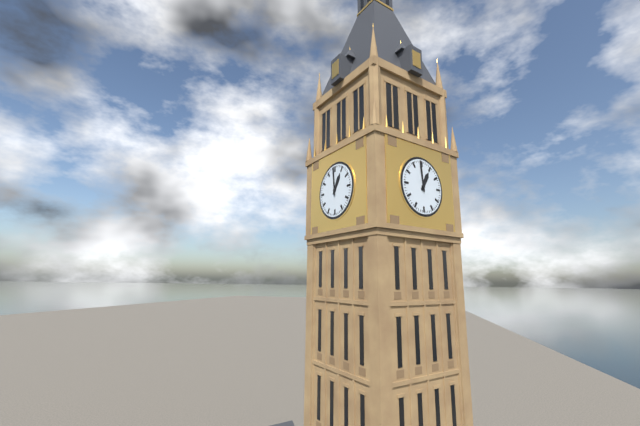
h=12 m=59
